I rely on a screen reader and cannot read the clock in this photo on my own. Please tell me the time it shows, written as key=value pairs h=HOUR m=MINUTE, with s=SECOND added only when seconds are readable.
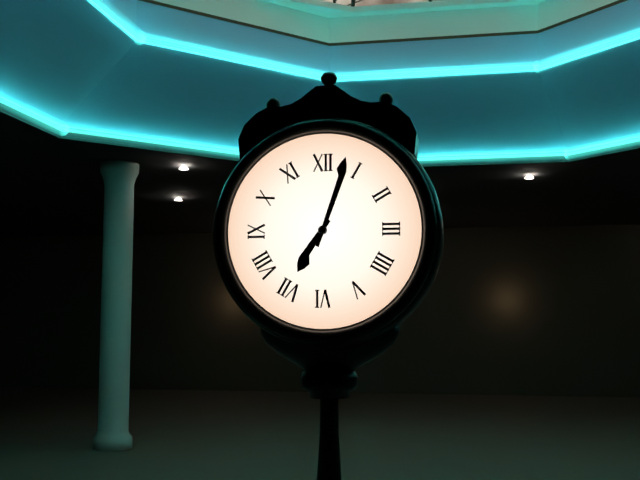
h=7 m=3
